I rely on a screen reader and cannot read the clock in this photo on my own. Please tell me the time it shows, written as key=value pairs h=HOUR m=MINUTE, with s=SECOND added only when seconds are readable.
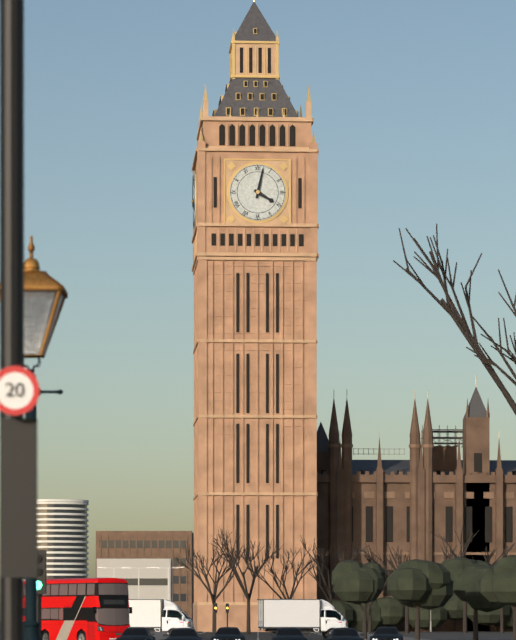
h=4 m=2
